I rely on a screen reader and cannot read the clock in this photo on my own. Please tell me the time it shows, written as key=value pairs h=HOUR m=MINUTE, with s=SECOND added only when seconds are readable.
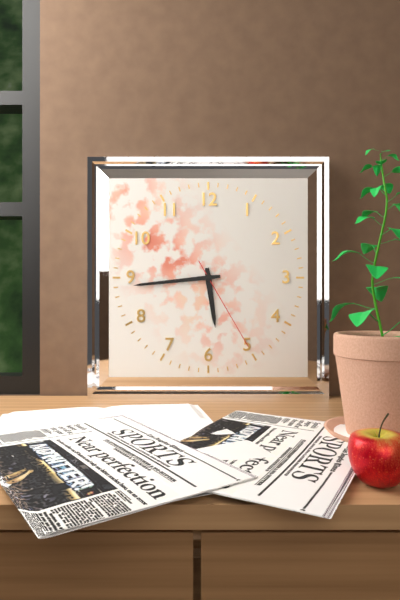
h=5 m=44 s=25
